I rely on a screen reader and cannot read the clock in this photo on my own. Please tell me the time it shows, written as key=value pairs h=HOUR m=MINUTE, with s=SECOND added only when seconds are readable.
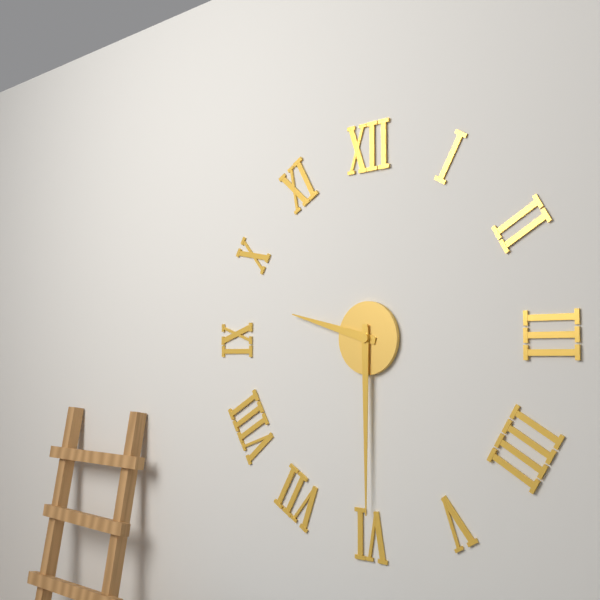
h=9 m=30
